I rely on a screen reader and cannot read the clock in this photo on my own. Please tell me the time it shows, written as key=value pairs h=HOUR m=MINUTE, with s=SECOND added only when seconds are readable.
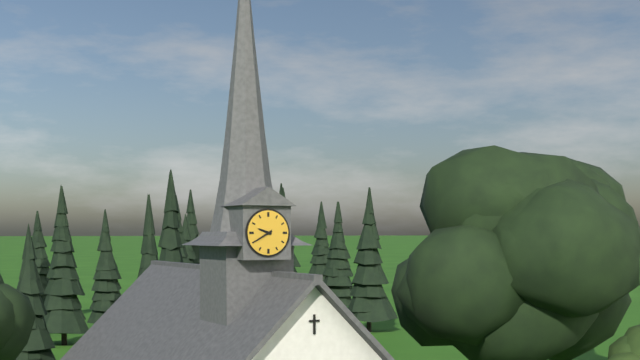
h=9 m=40
